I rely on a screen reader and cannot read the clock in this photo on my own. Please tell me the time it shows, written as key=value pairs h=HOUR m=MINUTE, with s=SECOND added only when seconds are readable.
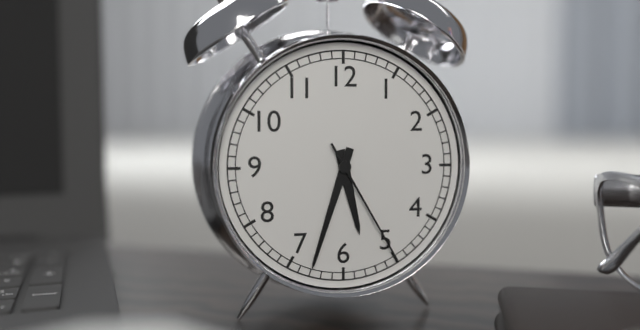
h=5 m=33 s=25
